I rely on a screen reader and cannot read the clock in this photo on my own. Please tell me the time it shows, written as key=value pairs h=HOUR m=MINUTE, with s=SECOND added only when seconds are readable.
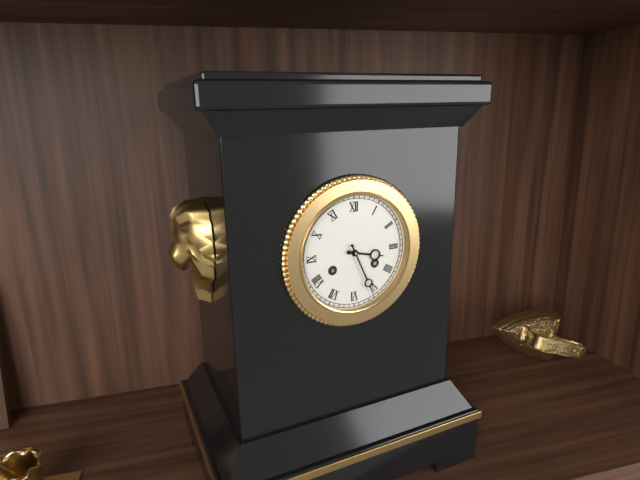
h=3 m=26
